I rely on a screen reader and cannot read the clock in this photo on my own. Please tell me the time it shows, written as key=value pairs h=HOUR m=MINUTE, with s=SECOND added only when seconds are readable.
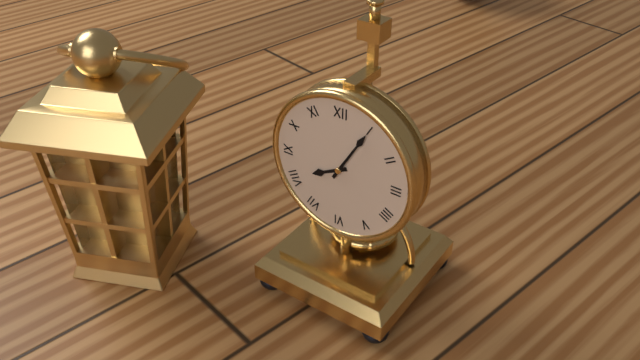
h=8 m=5
